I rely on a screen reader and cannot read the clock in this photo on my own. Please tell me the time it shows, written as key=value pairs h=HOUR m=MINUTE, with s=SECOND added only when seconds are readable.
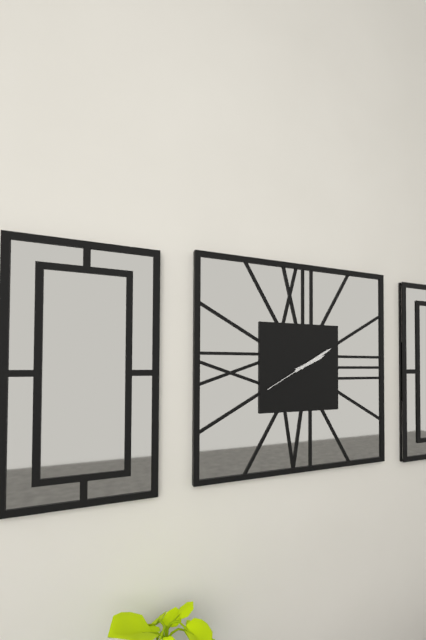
h=2 m=10
